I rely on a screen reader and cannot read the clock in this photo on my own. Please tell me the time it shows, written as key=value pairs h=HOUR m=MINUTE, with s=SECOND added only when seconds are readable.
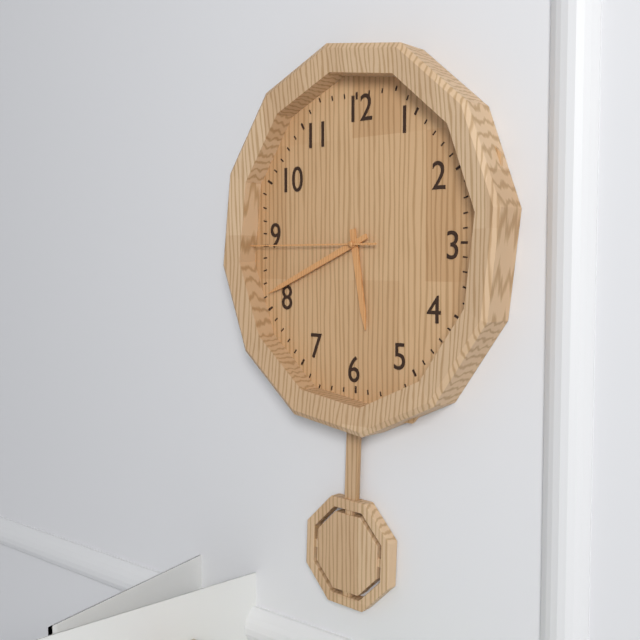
h=5 m=41 s=45
